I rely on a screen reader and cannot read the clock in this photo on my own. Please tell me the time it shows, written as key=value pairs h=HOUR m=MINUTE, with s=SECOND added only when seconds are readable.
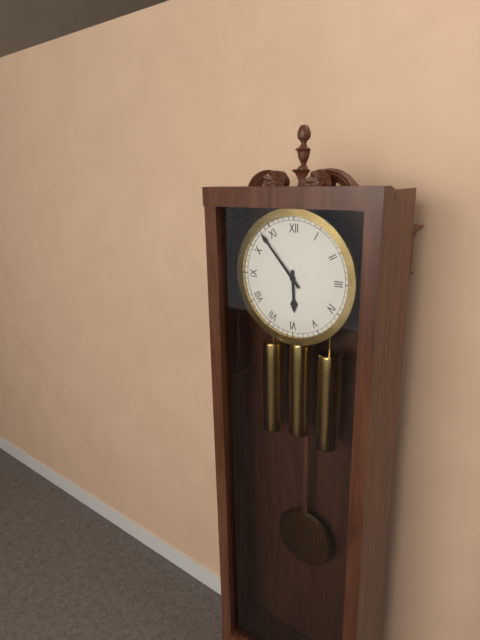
h=5 m=53
